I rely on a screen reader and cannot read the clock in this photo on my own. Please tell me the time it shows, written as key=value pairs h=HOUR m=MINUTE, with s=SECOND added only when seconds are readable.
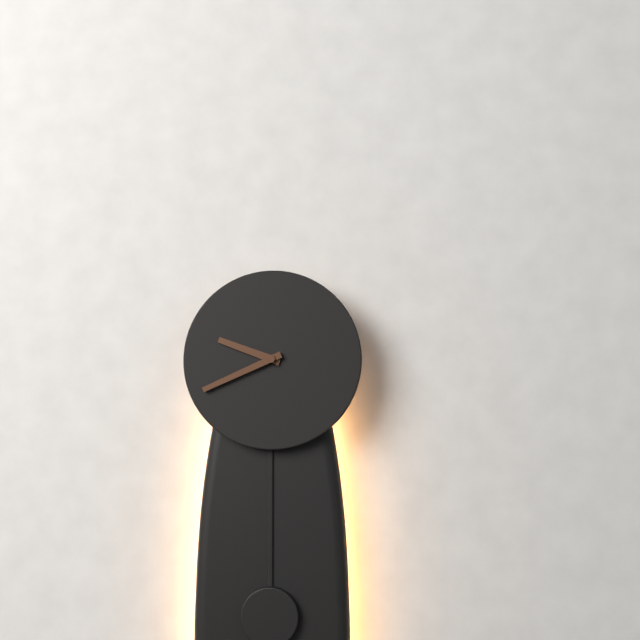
h=9 m=41
